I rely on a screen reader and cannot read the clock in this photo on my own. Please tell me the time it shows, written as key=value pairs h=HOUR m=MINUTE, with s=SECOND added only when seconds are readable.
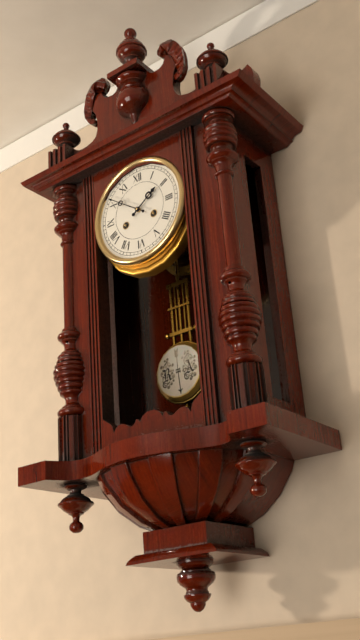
h=1 m=51
